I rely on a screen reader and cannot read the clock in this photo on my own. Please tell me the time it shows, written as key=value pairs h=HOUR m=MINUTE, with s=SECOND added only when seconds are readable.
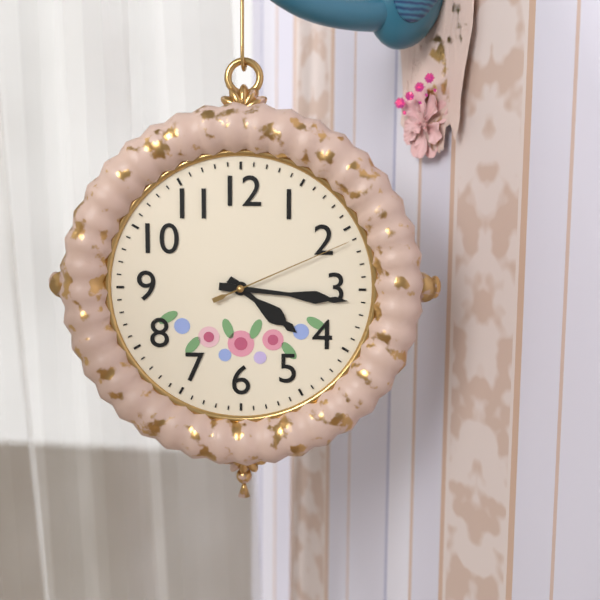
h=4 m=16 s=11
